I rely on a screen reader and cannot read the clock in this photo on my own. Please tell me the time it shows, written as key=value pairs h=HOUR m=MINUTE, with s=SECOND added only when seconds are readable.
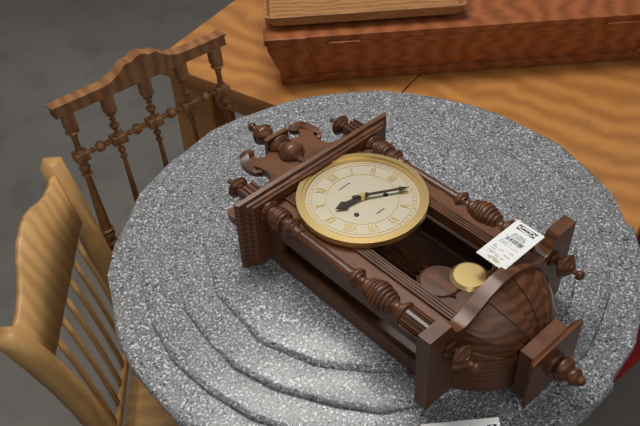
h=9 m=20
